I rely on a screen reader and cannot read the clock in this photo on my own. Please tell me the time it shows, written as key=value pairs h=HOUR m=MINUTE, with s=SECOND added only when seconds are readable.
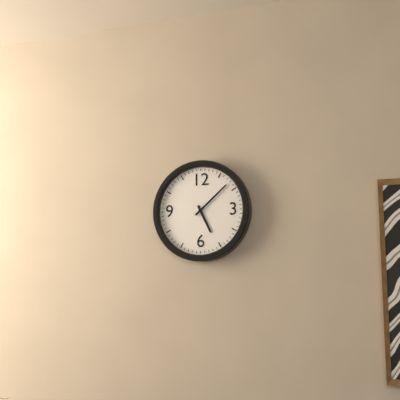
h=5 m=8
